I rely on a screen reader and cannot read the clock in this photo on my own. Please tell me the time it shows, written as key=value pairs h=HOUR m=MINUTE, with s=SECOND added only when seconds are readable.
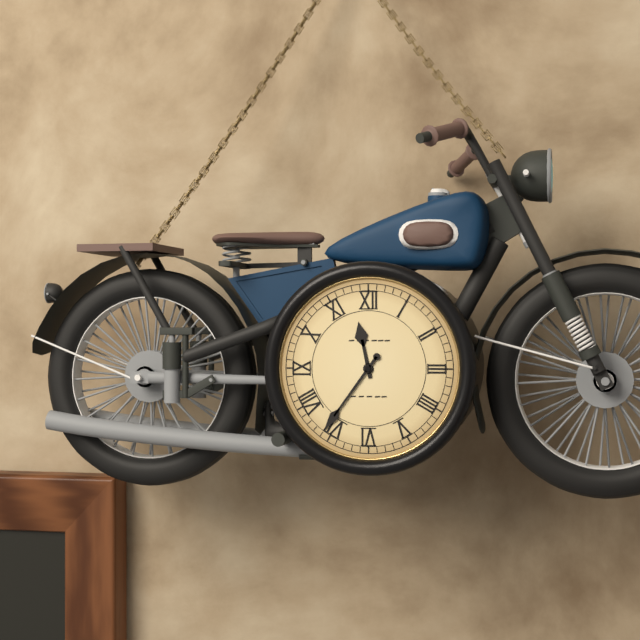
h=11 m=36
